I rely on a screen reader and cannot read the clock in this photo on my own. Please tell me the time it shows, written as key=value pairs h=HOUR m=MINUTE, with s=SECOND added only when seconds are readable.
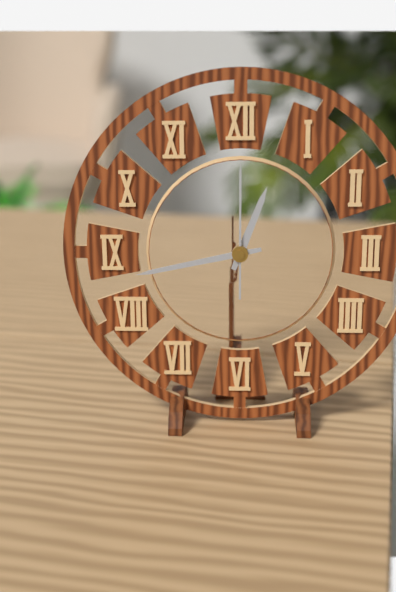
h=12 m=43 s=0
